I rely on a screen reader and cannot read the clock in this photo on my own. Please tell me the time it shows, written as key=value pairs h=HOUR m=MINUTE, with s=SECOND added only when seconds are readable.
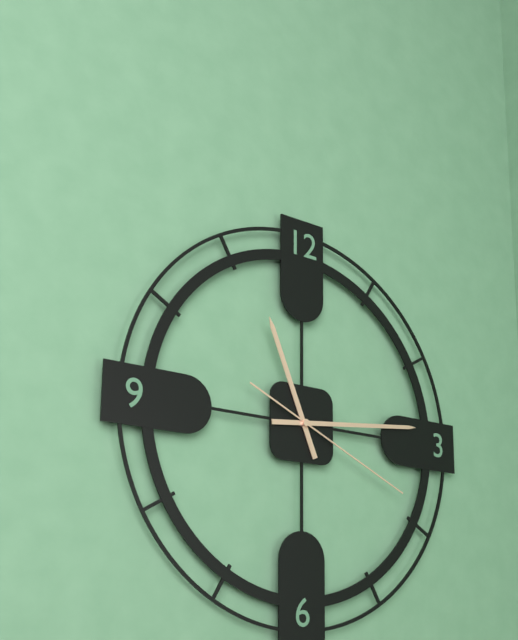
h=11 m=14 s=19
